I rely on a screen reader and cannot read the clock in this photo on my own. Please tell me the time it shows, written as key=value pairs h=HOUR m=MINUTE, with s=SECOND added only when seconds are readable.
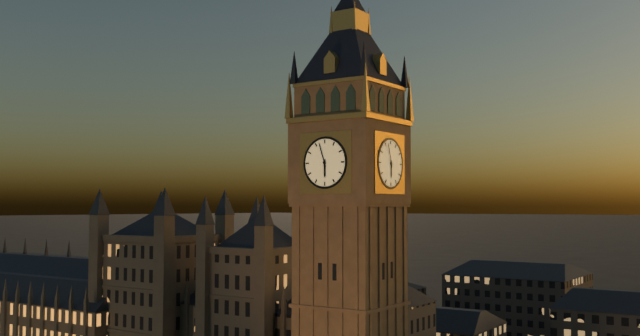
h=5 m=57
